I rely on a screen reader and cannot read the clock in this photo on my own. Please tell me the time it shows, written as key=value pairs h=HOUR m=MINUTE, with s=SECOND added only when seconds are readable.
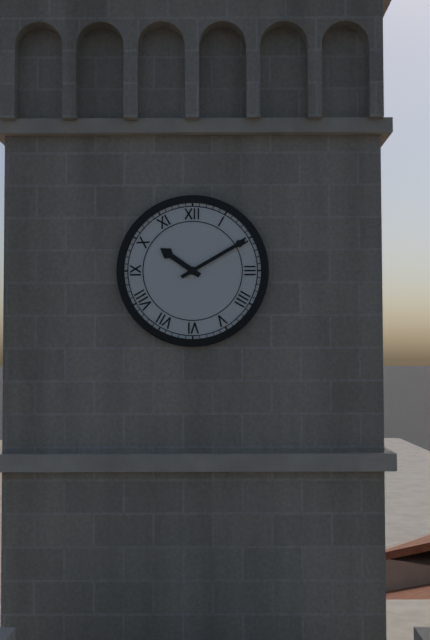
h=10 m=10
